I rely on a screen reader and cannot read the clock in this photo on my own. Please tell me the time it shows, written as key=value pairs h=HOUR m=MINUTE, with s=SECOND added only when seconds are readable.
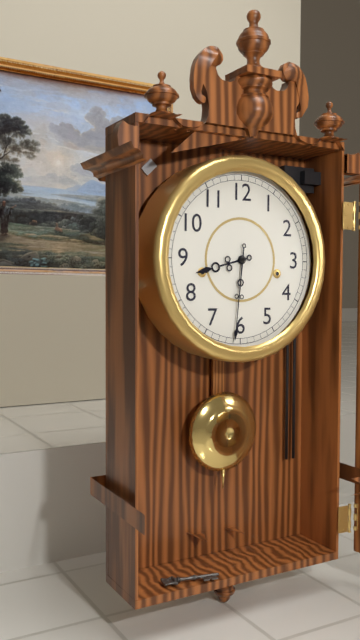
h=8 m=31
